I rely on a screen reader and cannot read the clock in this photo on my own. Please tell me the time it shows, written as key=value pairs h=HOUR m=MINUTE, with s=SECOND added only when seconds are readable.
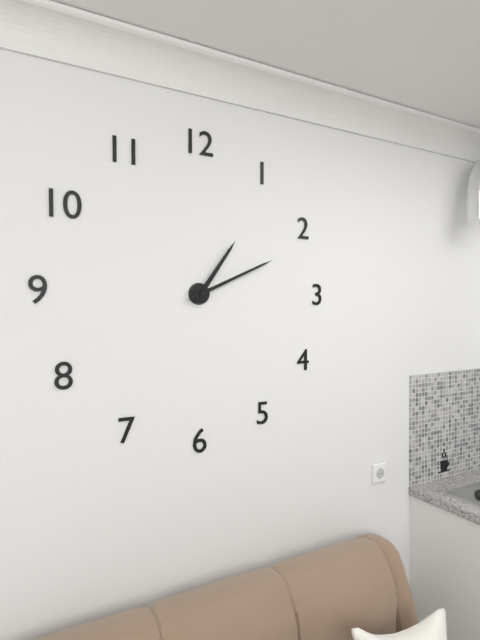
h=1 m=11
